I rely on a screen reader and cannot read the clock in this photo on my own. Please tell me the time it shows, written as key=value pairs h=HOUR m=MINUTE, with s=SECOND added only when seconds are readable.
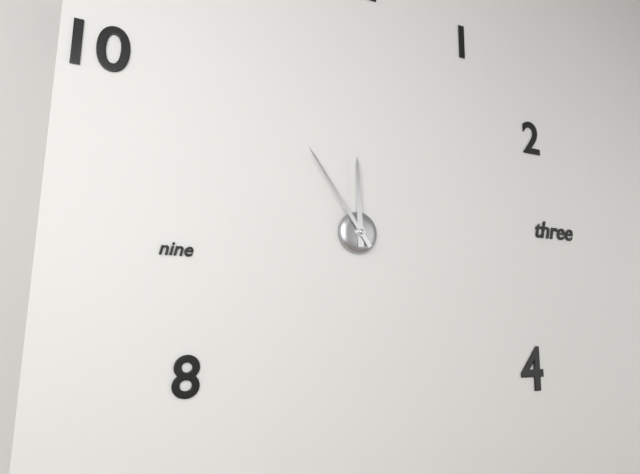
h=11 m=54
